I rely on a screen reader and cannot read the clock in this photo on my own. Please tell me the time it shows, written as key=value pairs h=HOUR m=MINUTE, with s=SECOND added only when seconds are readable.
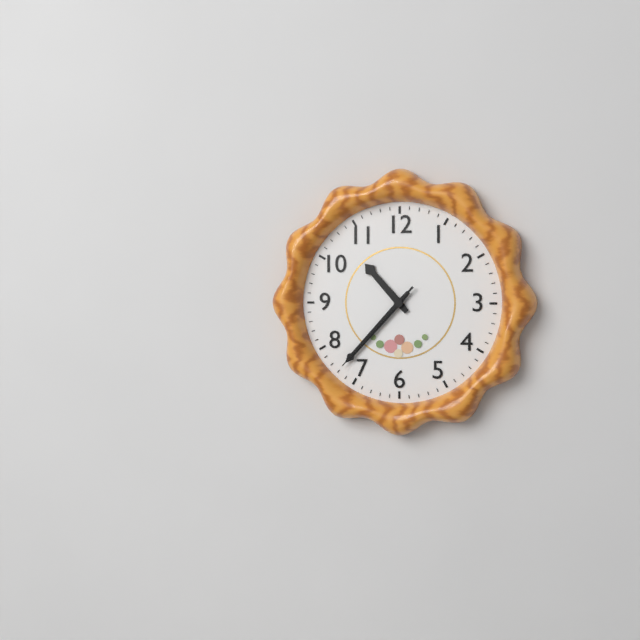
h=10 m=37 s=37
